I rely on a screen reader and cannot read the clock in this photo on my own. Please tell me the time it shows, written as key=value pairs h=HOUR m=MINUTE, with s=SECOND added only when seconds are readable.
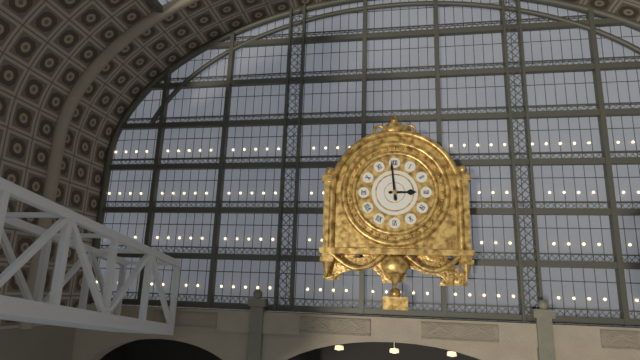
h=2 m=59
